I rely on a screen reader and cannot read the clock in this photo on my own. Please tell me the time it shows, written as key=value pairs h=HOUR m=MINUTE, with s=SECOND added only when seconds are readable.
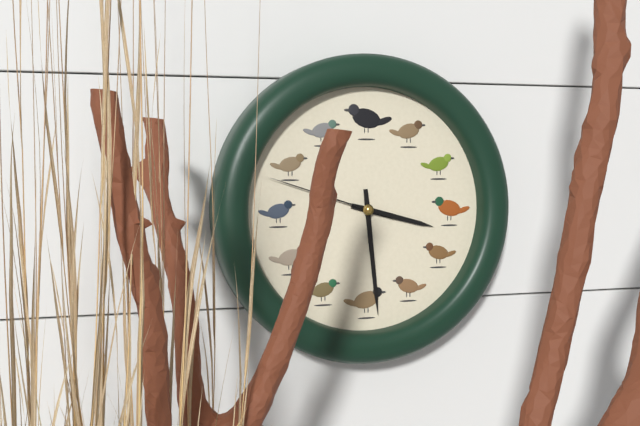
h=3 m=29 s=48
